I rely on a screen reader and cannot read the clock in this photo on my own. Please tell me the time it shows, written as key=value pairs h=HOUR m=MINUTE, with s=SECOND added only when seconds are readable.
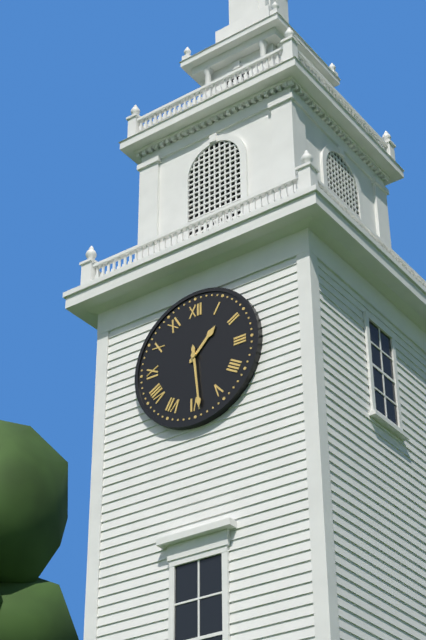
h=1 m=29
